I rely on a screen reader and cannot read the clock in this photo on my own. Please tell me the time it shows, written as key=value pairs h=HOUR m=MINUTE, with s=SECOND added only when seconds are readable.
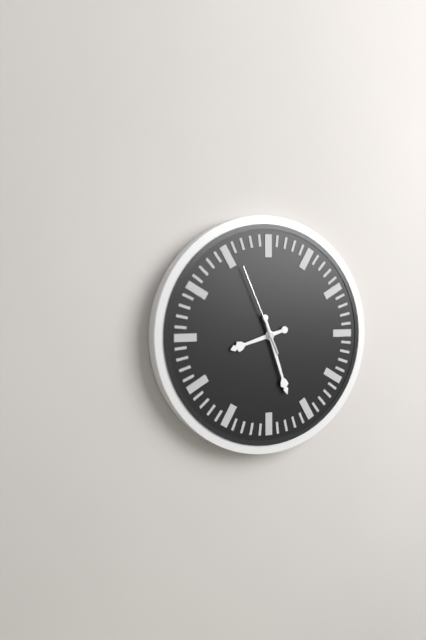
h=8 m=27 s=56
